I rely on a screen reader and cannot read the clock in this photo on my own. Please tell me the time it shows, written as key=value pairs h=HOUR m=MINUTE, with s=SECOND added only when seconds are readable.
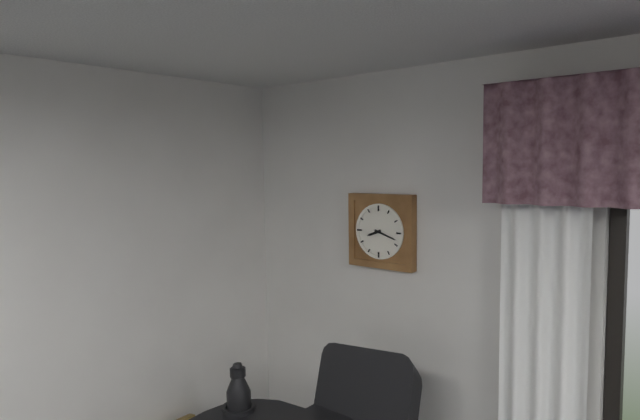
h=8 m=18
